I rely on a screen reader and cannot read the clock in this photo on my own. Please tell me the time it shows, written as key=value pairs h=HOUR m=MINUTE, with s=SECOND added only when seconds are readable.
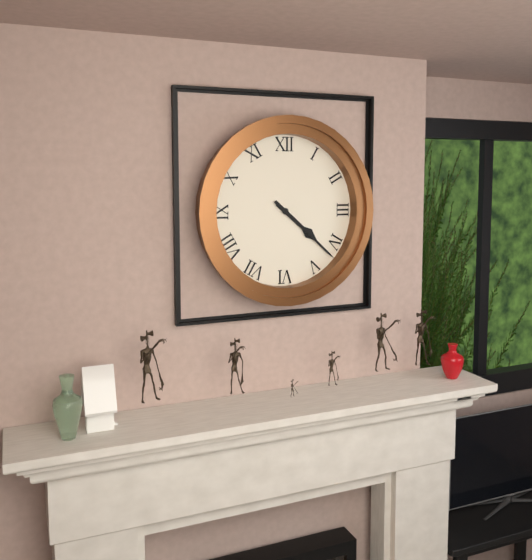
h=4 m=22
